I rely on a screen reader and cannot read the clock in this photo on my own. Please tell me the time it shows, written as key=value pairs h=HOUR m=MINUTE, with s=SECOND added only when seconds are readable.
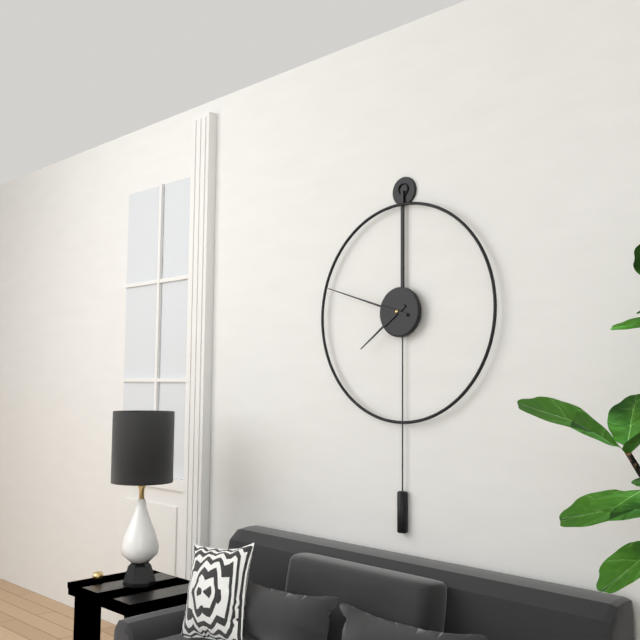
h=7 m=48
